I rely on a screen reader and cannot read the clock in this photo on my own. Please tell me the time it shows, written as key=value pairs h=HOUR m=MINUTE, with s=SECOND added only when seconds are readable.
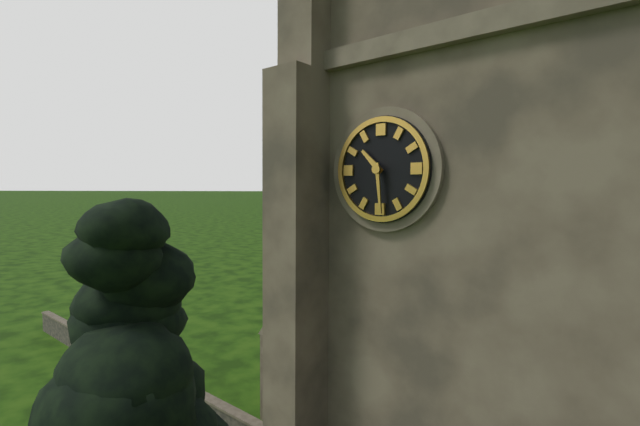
h=10 m=29
